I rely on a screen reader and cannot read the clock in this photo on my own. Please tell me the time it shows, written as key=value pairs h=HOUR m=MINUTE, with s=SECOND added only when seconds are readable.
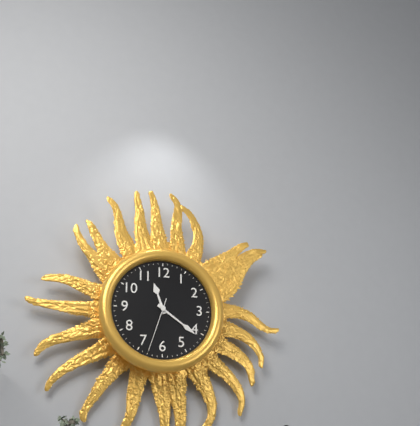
h=11 m=21 s=33
